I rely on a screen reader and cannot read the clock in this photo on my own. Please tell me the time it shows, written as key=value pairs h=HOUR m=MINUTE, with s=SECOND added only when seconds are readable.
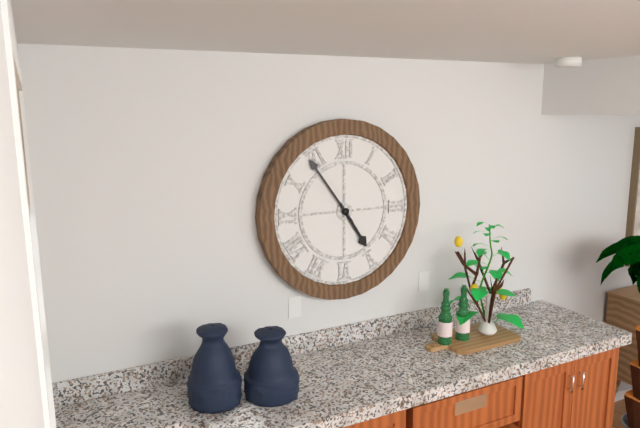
h=4 m=54
